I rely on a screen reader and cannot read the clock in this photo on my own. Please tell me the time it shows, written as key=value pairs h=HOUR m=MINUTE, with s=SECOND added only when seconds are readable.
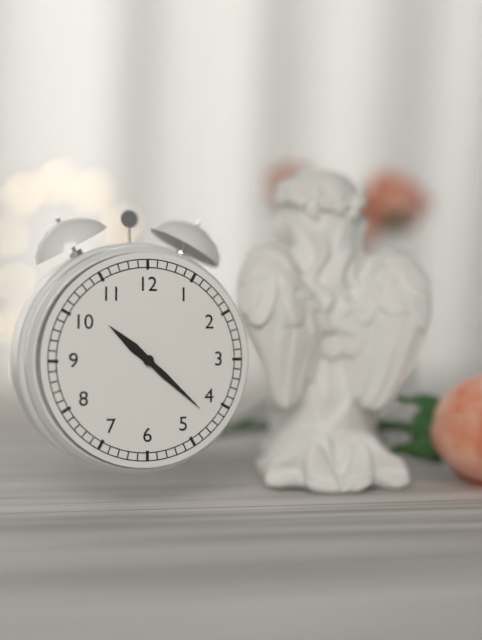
h=10 m=22
